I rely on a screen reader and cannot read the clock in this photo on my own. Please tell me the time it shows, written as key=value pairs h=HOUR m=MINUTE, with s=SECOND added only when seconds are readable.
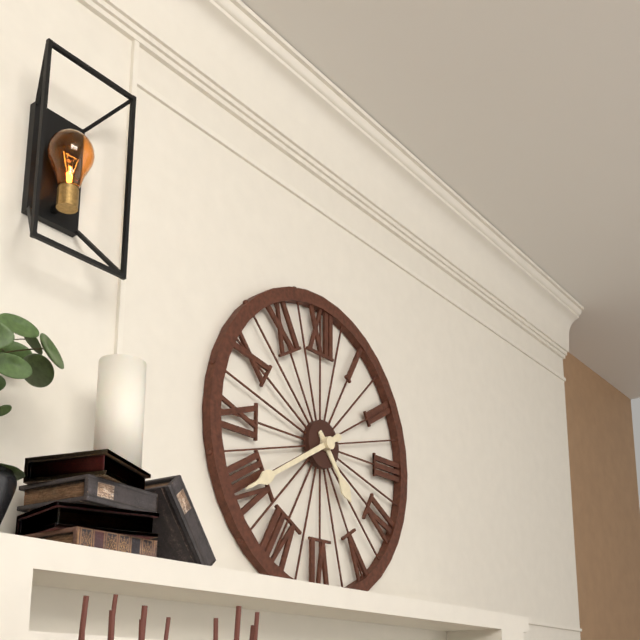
h=4 m=40
